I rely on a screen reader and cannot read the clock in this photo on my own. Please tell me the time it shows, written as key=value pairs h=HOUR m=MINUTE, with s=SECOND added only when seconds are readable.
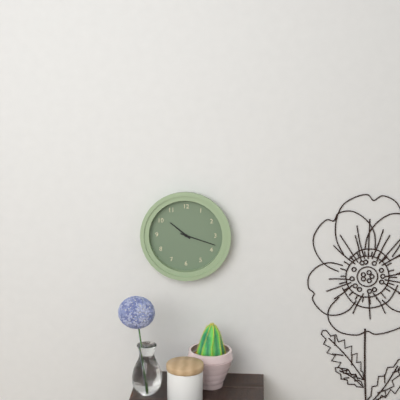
h=10 m=18
